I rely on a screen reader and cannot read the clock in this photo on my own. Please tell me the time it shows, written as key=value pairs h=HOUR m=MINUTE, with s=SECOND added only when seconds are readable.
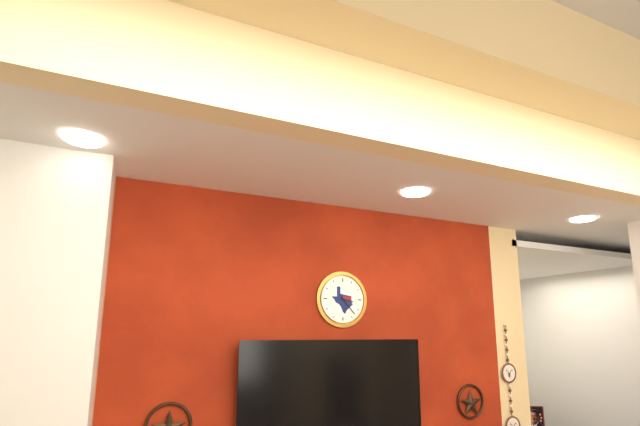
h=3 m=23
